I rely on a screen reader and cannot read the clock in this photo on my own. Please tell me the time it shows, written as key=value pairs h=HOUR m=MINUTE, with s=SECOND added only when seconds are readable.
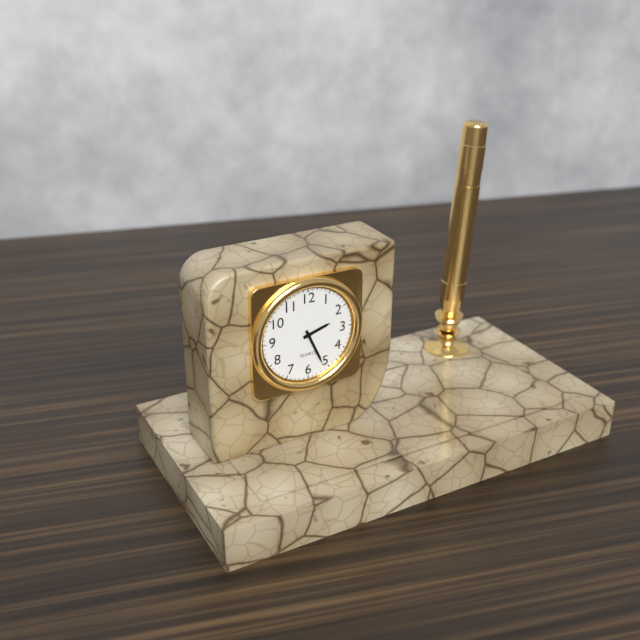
h=2 m=26
